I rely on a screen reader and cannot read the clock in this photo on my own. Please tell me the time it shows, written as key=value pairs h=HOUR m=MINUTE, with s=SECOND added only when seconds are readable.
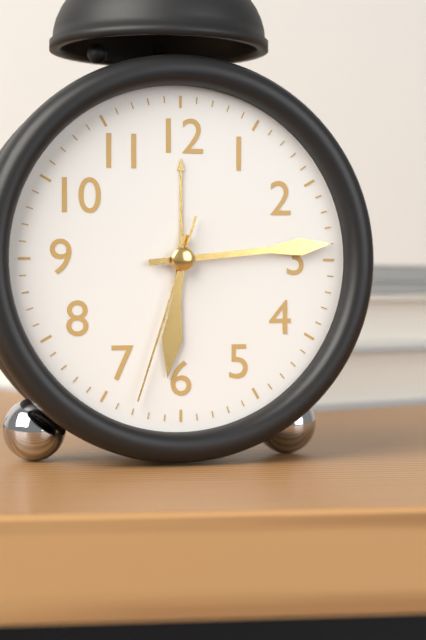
h=6 m=14 s=33
